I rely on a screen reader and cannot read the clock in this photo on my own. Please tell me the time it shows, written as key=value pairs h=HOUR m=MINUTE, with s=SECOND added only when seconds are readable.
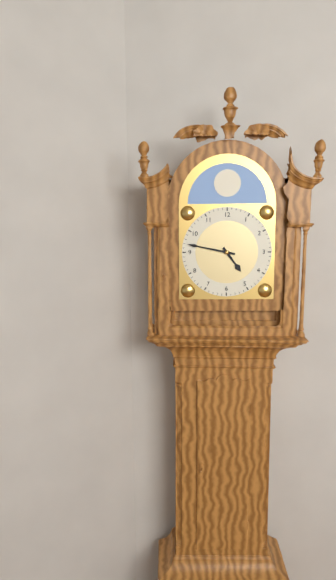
h=4 m=47
